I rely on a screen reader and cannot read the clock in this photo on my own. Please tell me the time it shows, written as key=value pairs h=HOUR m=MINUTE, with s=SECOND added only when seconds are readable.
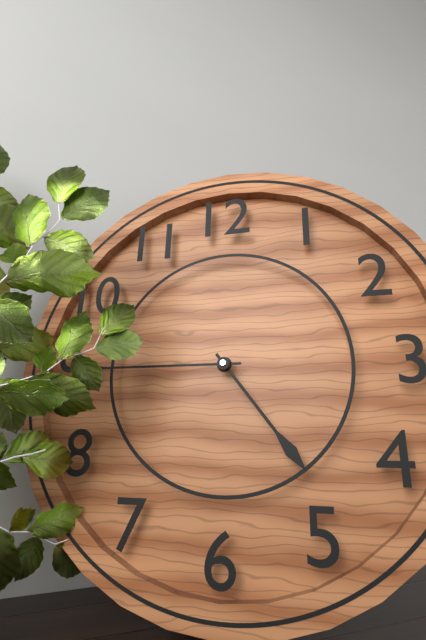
h=4 m=45
